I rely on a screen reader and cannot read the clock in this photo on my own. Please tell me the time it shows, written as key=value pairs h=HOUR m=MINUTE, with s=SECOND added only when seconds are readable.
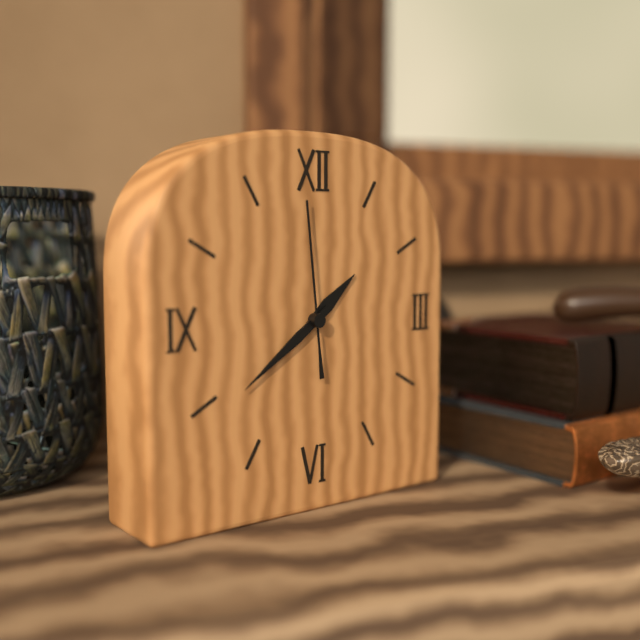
h=1 m=39 s=59
